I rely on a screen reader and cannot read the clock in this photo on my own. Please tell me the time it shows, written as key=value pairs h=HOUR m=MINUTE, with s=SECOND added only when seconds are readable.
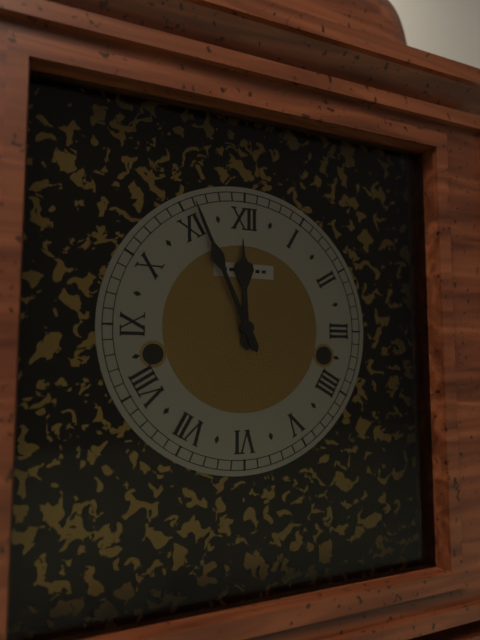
h=11 m=56
